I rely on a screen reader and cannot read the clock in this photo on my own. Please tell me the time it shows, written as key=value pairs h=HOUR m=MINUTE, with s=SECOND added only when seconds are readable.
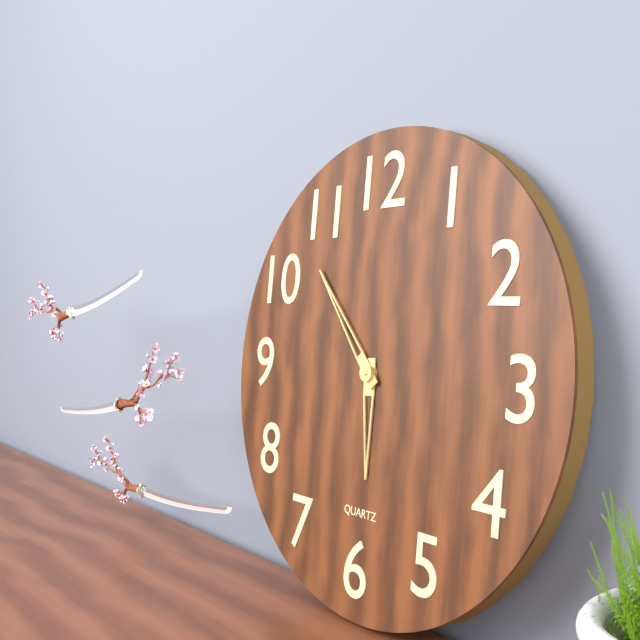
h=5 m=53
